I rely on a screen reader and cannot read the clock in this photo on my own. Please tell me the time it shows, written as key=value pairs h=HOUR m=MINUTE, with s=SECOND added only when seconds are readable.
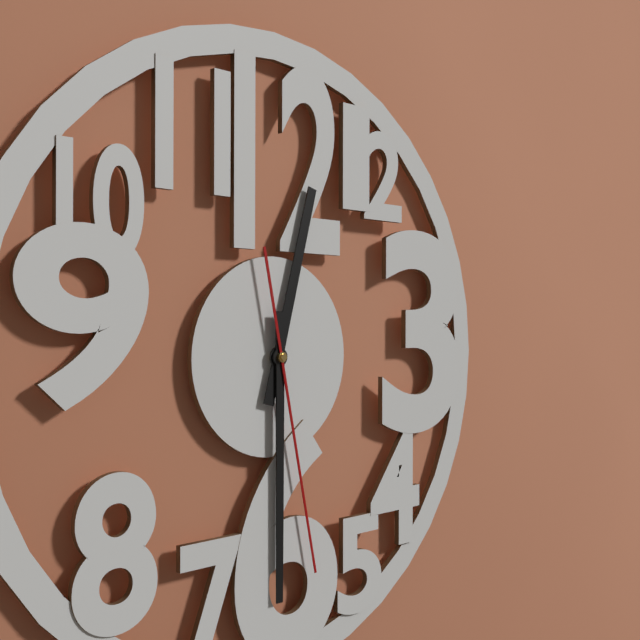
h=12 m=30 s=28
